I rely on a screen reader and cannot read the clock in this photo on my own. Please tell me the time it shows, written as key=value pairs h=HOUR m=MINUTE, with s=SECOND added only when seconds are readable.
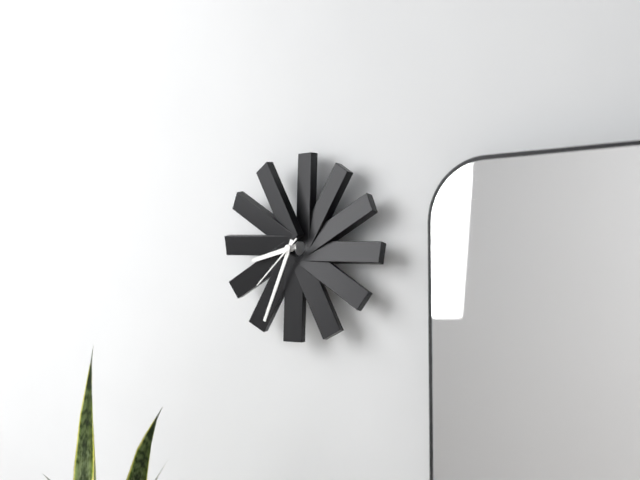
h=8 m=34 s=38
